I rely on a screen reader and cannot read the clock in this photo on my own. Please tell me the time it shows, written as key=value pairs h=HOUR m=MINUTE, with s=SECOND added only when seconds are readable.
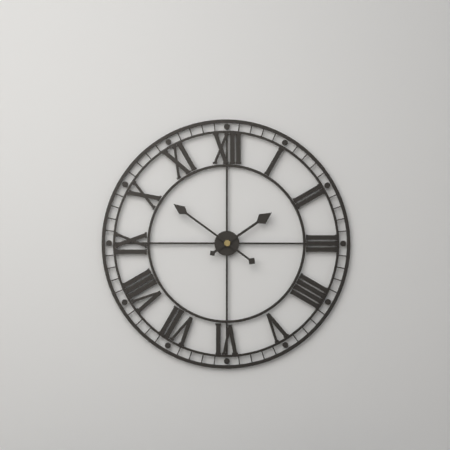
h=1 m=51
